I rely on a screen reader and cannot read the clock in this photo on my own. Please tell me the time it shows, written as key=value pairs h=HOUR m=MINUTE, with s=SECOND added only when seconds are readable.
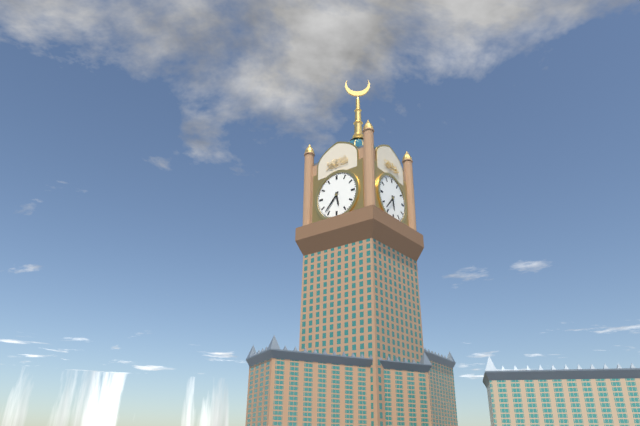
h=5 m=37
